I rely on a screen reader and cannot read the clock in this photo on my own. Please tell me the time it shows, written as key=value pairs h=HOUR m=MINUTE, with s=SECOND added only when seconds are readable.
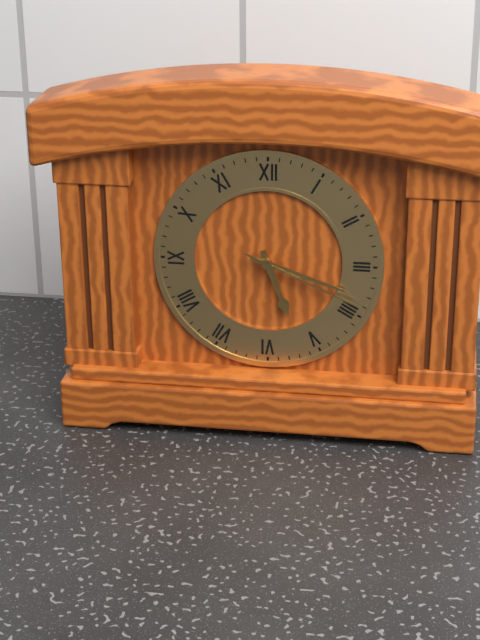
h=5 m=18 s=19
